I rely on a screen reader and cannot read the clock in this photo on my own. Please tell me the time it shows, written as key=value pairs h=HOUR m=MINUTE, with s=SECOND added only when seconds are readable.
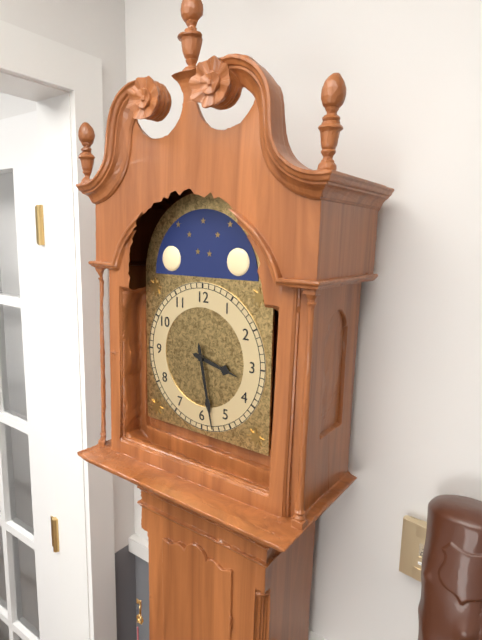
h=3 m=28
